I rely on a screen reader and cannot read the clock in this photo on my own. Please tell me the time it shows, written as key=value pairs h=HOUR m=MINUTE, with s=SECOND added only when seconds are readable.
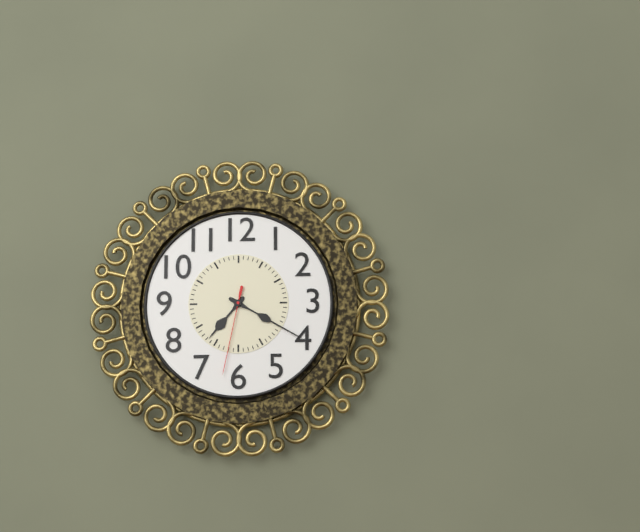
h=7 m=20 s=32
